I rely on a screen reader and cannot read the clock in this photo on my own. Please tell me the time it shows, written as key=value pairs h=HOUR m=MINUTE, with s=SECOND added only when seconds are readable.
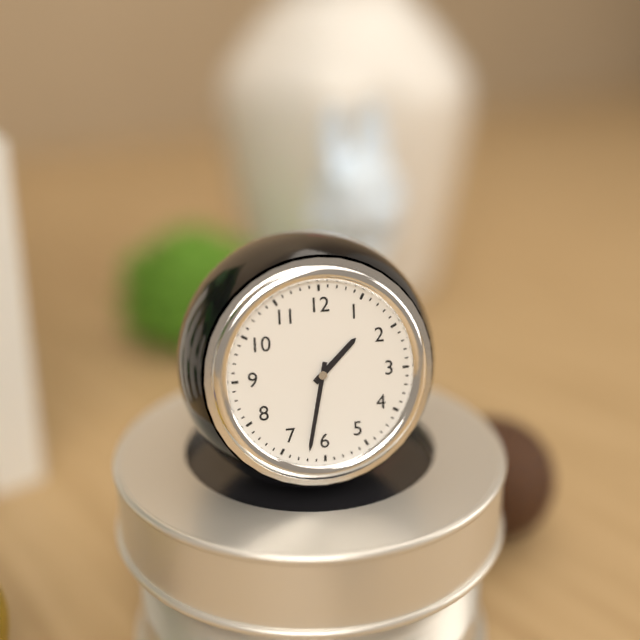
h=1 m=32
